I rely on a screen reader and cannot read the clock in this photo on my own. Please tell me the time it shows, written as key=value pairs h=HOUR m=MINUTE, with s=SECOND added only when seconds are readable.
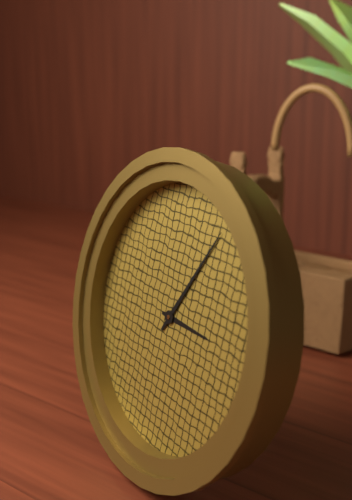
h=3 m=5
